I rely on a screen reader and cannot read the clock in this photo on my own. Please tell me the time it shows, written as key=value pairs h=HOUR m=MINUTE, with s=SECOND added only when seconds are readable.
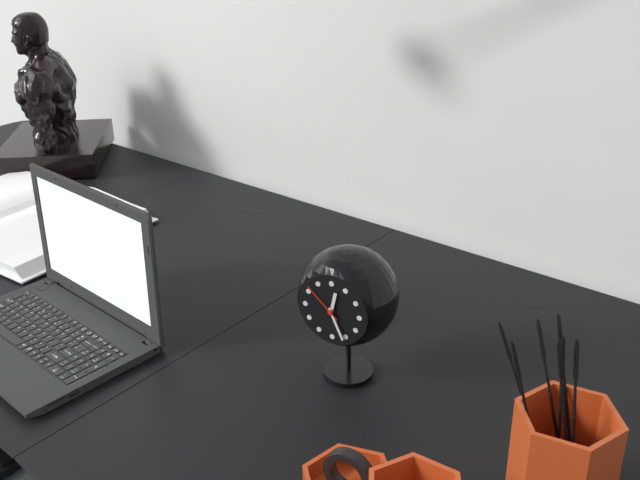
h=12 m=26 s=52
